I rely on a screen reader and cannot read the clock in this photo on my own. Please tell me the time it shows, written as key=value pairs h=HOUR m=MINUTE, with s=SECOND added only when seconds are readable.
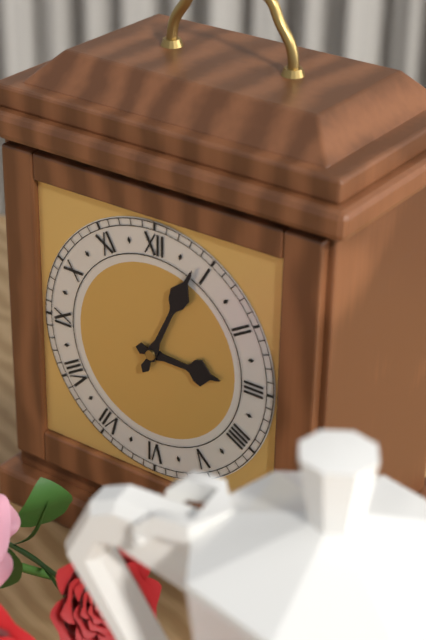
h=3 m=4
